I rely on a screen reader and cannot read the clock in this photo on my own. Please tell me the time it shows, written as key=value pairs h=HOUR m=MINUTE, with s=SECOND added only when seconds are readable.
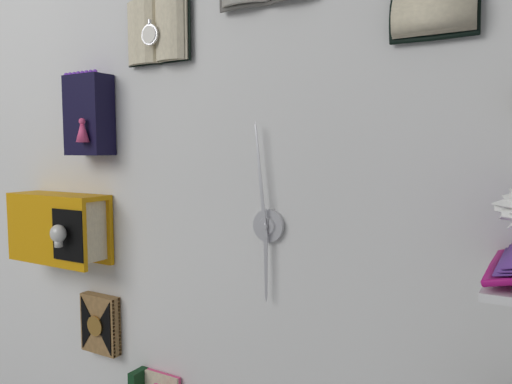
h=5 m=59
